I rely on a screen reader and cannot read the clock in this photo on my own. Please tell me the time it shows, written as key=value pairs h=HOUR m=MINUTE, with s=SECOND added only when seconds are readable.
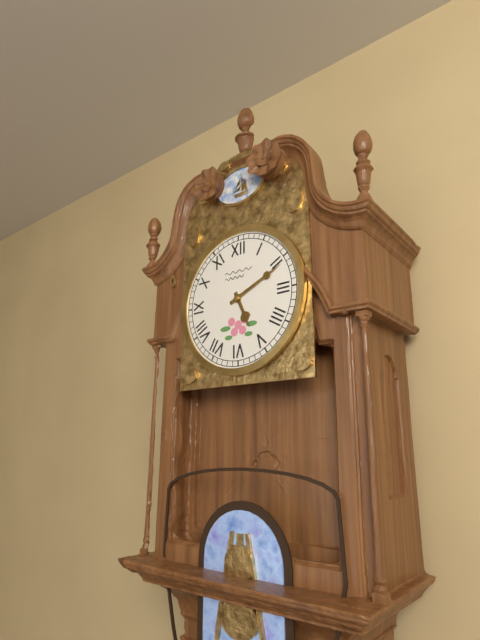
h=5 m=11
